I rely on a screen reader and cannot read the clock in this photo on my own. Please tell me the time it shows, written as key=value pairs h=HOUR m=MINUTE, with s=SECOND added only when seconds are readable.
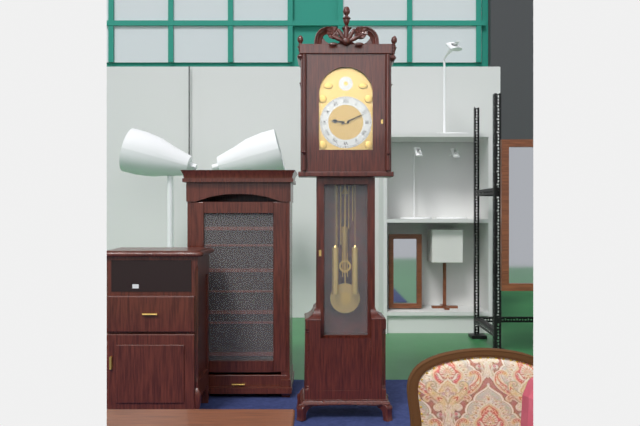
h=9 m=11
